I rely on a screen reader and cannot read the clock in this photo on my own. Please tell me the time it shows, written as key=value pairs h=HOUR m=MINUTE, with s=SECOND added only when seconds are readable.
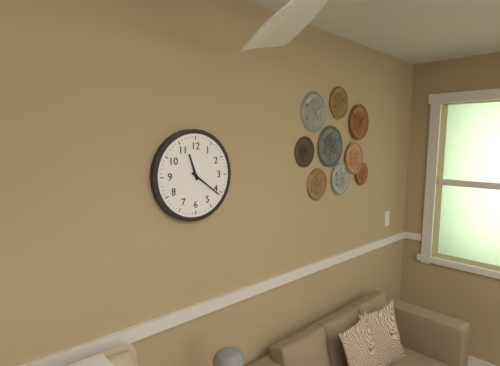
h=11 m=21
